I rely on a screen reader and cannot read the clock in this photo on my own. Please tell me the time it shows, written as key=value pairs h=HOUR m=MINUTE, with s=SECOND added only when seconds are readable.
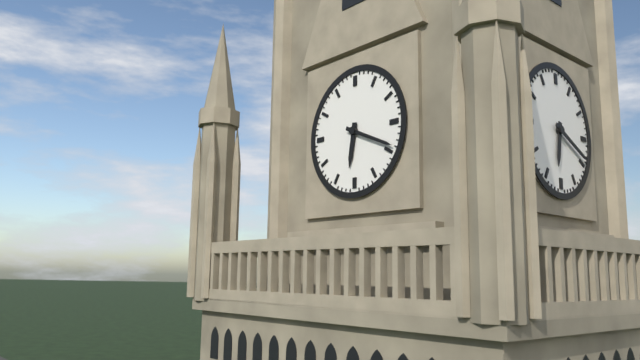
h=6 m=19
